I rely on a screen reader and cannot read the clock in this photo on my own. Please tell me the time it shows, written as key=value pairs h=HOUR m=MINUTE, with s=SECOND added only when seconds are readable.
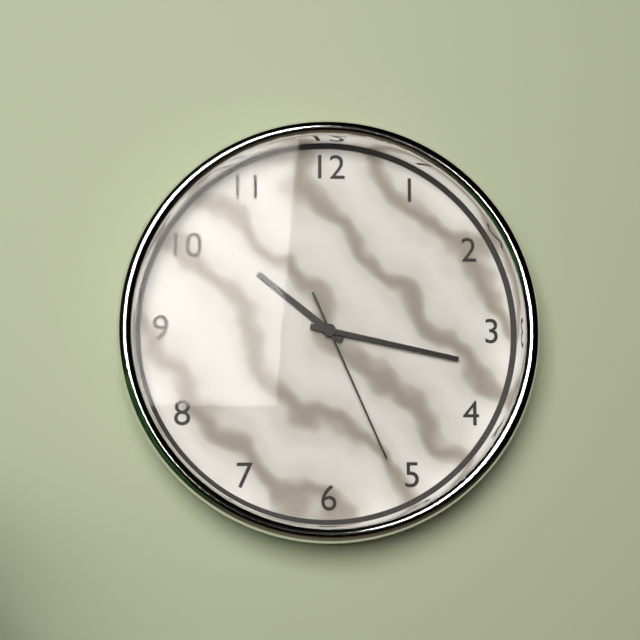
h=10 m=17 s=26
